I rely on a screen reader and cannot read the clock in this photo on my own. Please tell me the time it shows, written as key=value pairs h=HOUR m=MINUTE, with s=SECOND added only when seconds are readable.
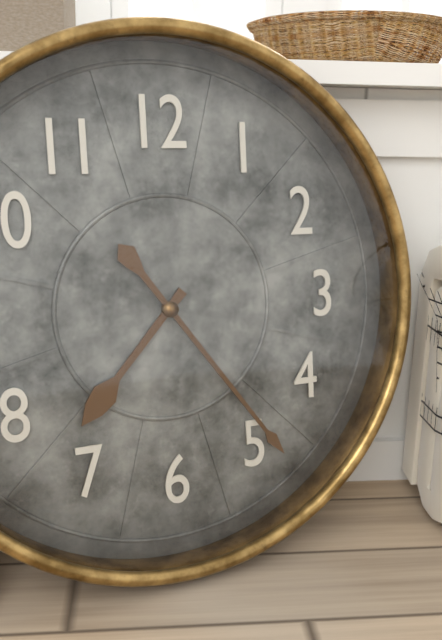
h=7 m=24
